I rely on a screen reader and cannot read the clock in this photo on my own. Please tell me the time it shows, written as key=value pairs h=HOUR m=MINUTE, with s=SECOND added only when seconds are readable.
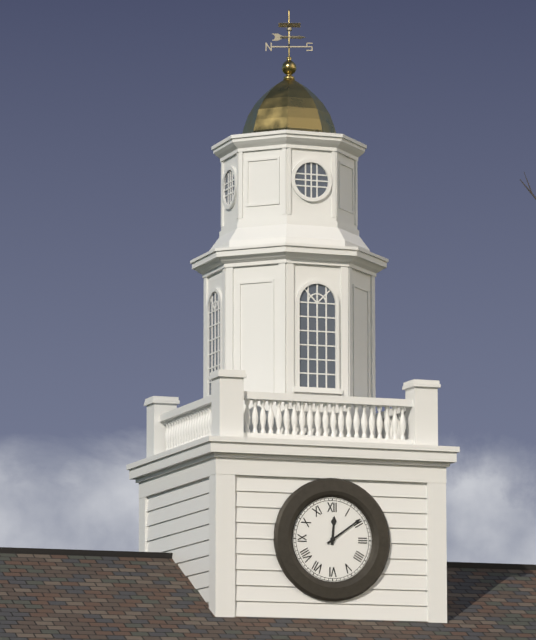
h=12 m=9
